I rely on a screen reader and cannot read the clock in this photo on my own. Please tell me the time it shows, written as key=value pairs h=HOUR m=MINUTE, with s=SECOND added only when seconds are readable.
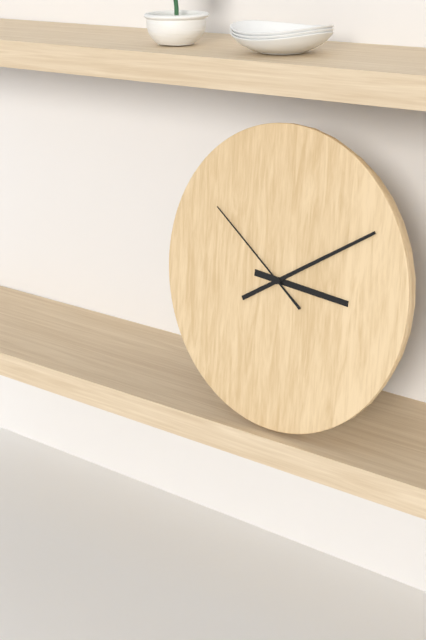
h=3 m=10 s=51
